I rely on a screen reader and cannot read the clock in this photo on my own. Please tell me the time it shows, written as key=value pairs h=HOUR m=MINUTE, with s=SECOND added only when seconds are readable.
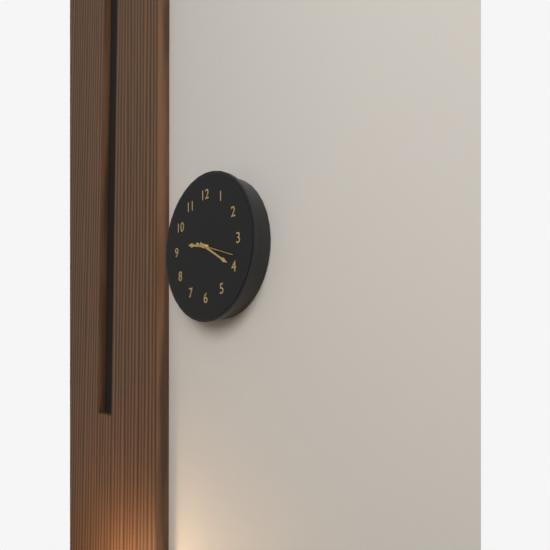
h=9 m=20
